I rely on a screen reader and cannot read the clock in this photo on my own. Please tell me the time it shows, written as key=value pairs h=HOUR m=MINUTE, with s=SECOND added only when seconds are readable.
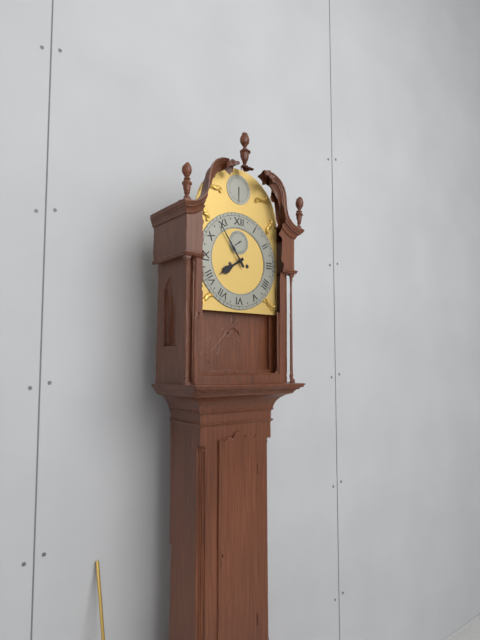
h=7 m=54
